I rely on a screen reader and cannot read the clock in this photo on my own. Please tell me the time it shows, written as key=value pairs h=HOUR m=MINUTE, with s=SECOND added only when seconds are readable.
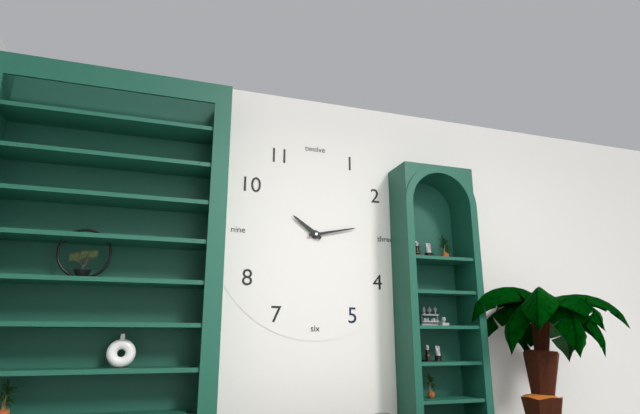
h=10 m=13
